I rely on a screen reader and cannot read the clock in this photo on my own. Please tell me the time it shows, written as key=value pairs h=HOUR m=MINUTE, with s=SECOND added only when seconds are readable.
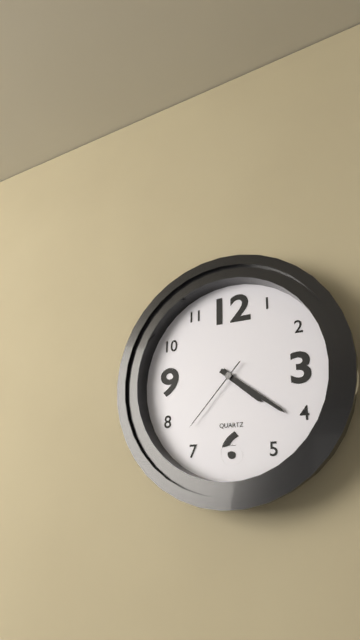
h=4 m=21 s=37
